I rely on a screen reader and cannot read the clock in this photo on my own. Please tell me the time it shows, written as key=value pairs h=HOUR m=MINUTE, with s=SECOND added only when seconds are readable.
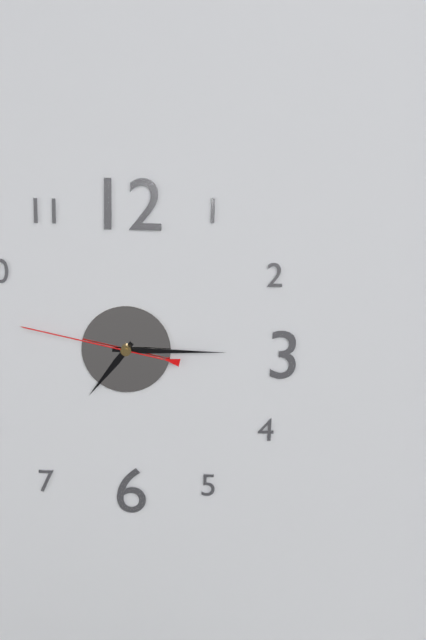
h=7 m=15 s=47
